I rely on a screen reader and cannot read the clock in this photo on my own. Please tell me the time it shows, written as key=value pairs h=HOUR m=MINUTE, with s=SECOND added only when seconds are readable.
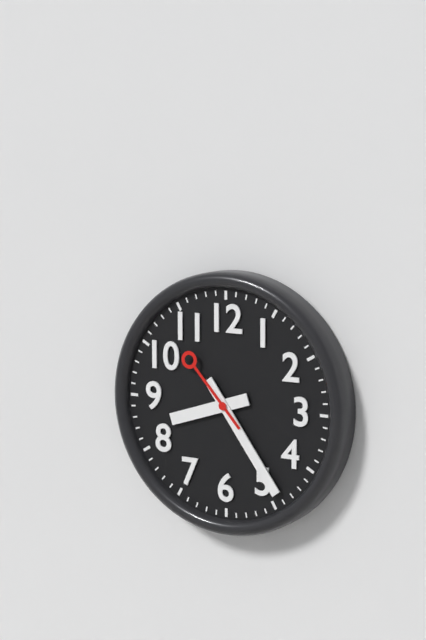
h=8 m=24 s=53
